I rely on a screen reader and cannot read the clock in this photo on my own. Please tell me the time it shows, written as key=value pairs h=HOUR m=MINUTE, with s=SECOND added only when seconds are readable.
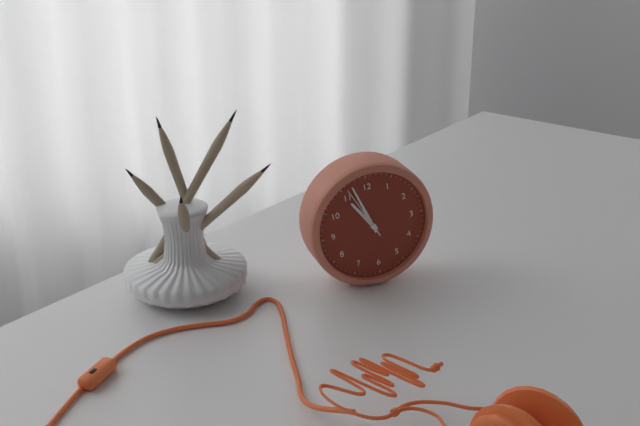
h=10 m=57
